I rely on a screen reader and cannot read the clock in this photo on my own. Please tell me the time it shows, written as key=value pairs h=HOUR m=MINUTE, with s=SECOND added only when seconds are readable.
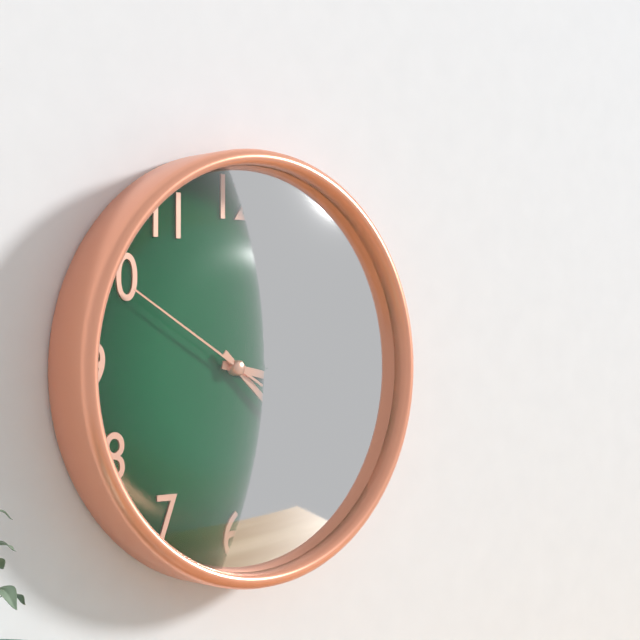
h=3 m=22 s=50
